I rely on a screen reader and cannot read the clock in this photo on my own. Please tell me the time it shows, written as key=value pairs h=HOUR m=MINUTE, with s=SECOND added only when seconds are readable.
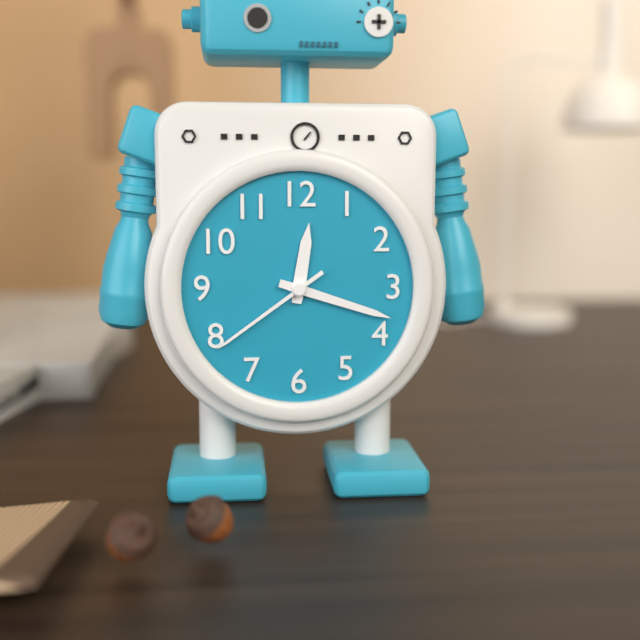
h=12 m=18 s=39
